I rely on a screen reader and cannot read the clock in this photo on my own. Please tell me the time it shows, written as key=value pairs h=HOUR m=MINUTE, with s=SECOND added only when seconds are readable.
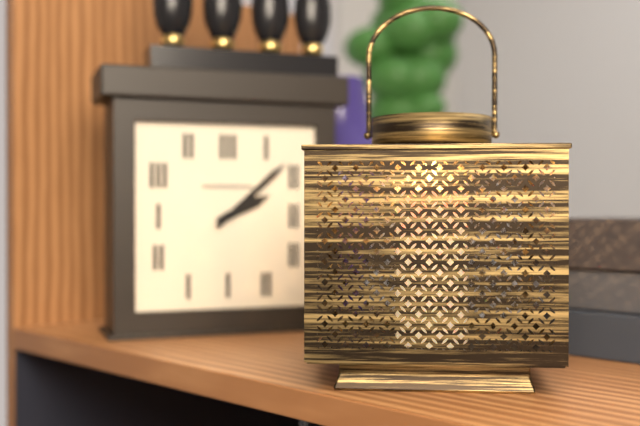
h=2 m=8
